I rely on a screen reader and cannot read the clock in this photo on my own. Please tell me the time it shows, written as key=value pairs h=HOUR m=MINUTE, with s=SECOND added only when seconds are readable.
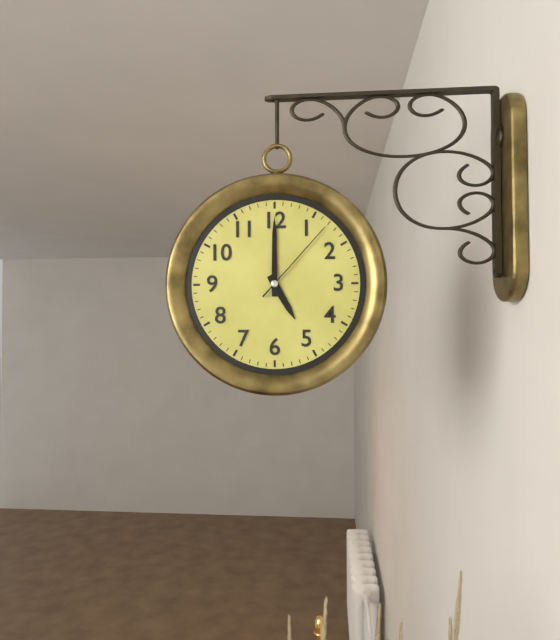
h=5 m=0 s=7
